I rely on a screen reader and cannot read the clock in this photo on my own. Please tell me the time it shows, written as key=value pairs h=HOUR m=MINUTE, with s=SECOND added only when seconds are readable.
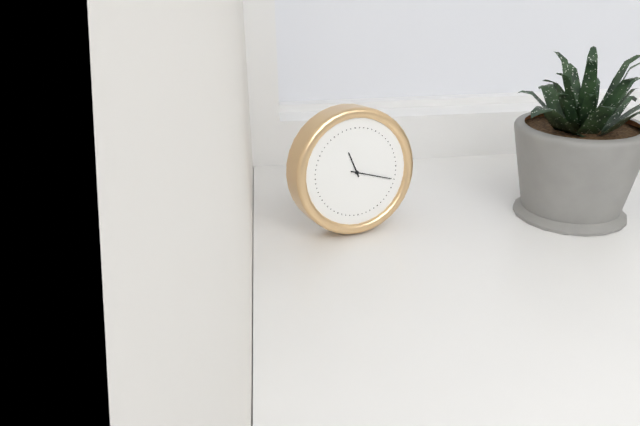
h=11 m=18
